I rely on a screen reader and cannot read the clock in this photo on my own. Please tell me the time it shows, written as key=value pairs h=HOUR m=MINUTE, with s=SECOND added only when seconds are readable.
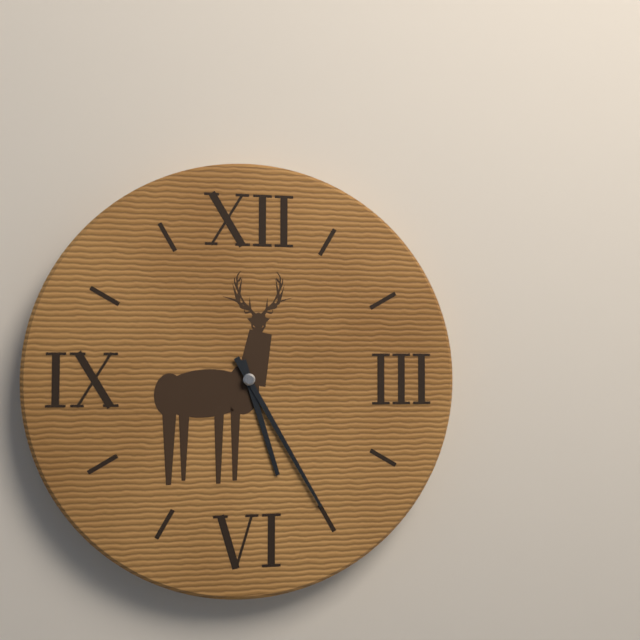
h=5 m=25
